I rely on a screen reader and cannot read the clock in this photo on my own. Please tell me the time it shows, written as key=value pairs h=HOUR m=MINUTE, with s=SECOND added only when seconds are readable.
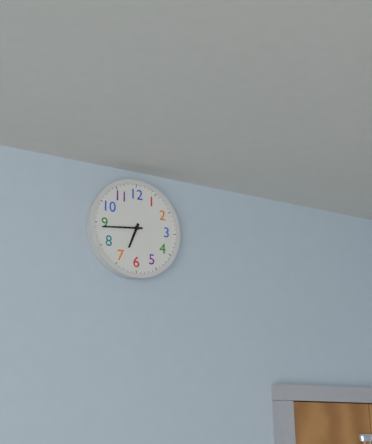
h=6 m=44
